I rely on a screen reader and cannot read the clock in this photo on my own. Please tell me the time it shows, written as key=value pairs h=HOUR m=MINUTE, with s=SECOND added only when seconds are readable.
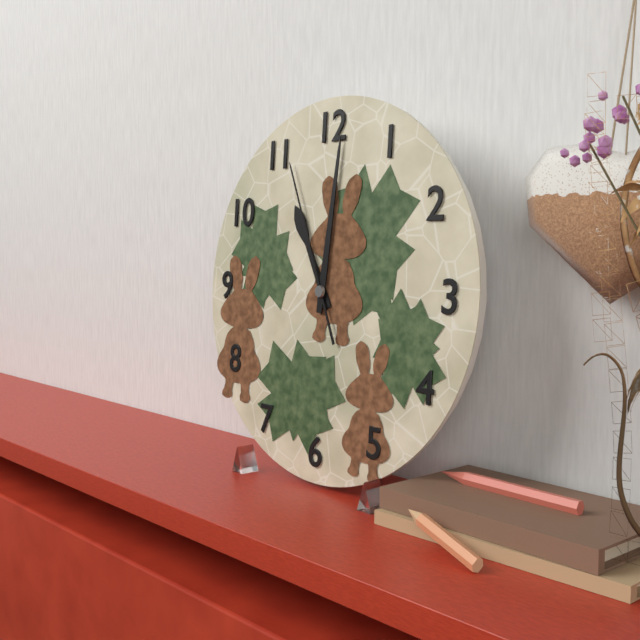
h=11 m=1 s=56
